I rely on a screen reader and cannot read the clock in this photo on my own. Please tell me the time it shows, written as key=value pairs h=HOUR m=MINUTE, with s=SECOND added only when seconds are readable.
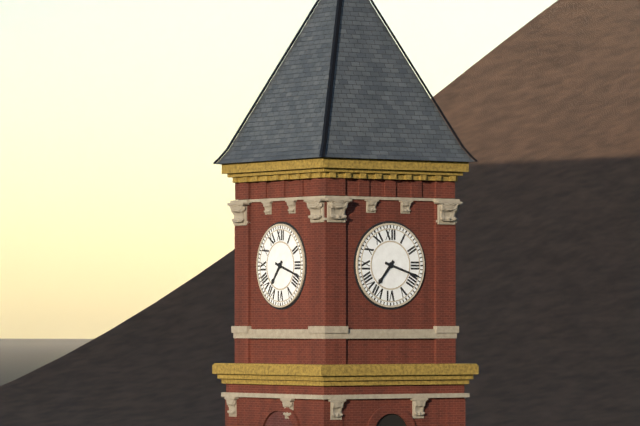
h=7 m=18
